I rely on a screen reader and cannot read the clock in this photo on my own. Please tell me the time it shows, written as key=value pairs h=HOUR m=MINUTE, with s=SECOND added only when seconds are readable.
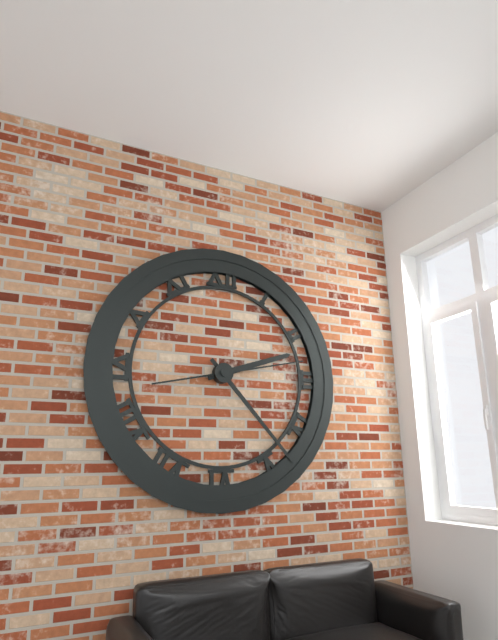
h=2 m=23 s=13
